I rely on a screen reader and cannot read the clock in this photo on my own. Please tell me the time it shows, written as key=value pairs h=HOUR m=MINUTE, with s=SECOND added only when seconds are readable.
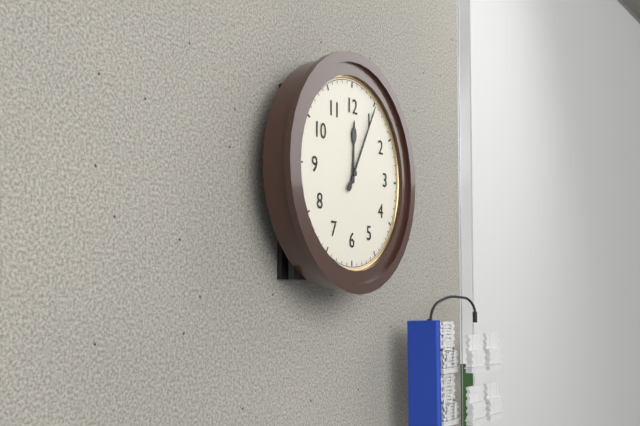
h=12 m=5
